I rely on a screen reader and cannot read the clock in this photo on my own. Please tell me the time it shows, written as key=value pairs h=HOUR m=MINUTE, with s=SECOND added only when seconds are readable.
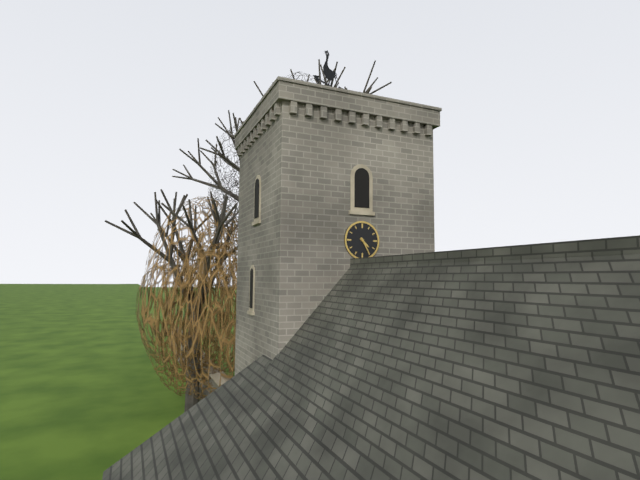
h=4 m=25
